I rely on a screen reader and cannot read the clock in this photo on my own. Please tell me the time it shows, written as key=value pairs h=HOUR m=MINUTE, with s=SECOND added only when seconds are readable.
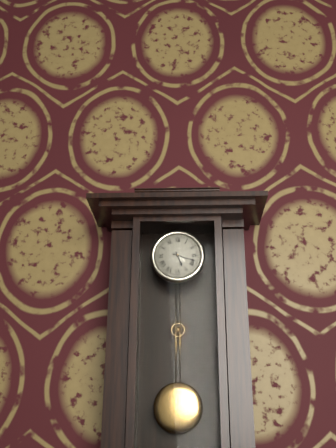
h=5 m=18
